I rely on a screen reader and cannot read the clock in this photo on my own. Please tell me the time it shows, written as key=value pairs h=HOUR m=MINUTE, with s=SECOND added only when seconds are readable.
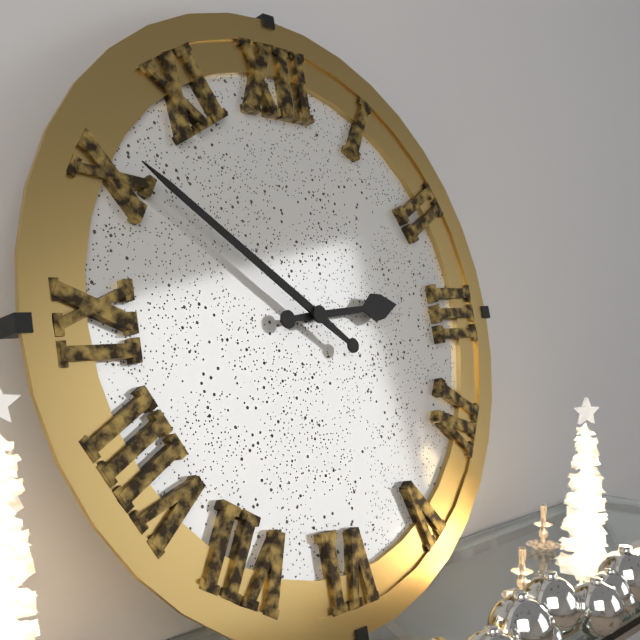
h=2 m=51
